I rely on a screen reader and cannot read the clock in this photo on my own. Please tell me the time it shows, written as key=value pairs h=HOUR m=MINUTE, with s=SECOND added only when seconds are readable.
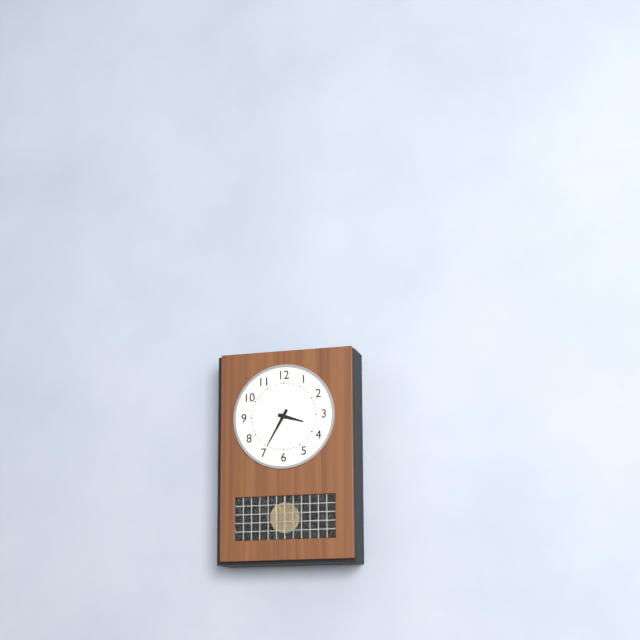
h=3 m=35
